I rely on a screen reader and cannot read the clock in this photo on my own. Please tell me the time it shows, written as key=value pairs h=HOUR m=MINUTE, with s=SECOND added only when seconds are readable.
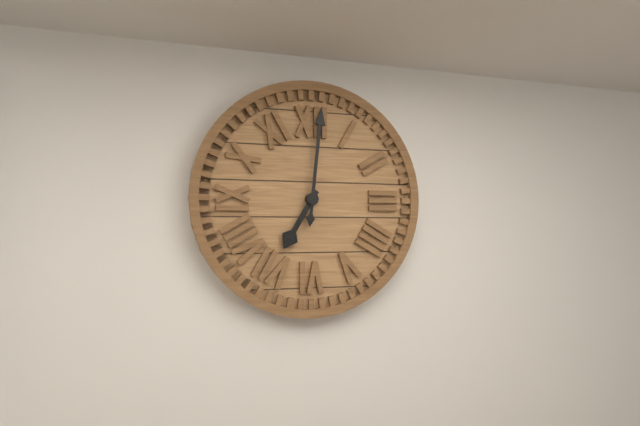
h=7 m=1
